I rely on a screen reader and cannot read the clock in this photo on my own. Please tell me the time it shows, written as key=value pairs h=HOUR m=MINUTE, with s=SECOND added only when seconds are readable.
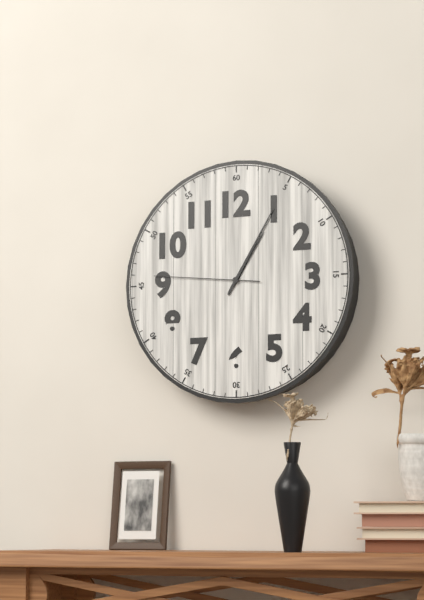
h=1 m=5 s=46
